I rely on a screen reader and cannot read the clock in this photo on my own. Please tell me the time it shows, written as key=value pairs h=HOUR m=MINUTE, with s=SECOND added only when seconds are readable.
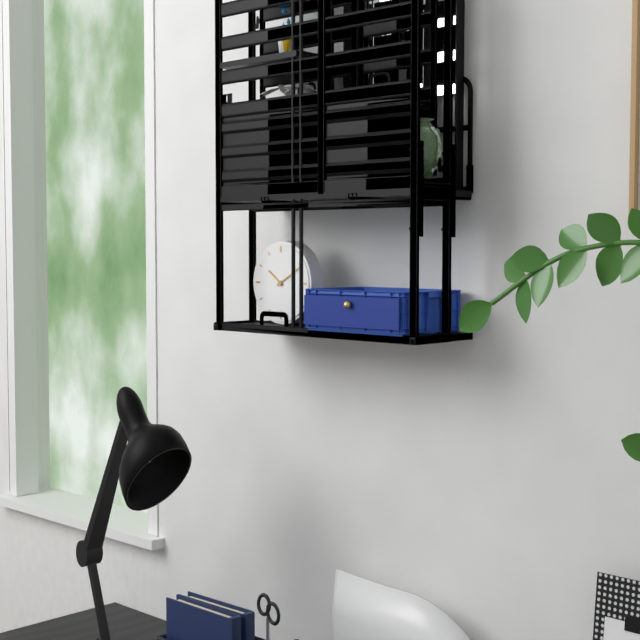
h=10 m=10
